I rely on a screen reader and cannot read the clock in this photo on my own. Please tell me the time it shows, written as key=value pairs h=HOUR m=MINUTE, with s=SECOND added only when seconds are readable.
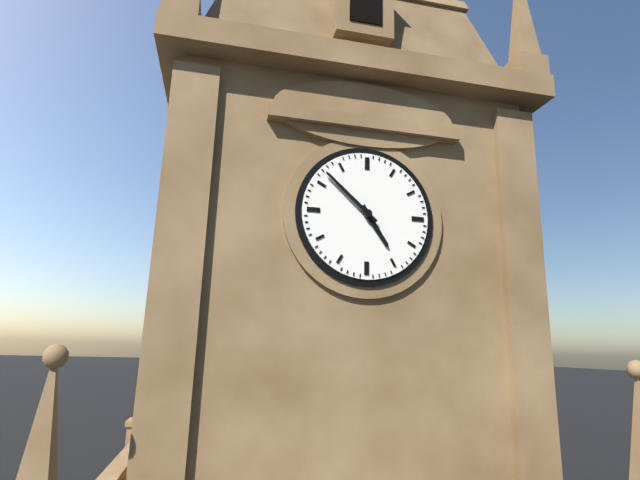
h=4 m=52
